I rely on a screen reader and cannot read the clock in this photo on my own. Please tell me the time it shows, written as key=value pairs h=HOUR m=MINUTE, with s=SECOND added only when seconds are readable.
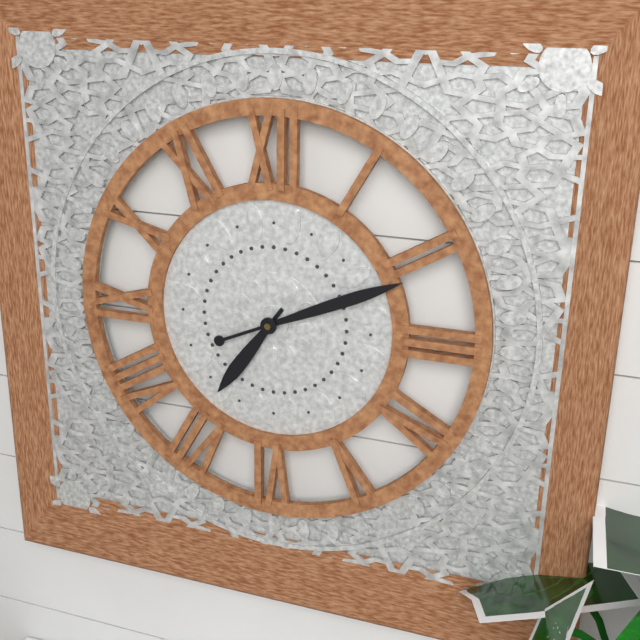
h=7 m=11
